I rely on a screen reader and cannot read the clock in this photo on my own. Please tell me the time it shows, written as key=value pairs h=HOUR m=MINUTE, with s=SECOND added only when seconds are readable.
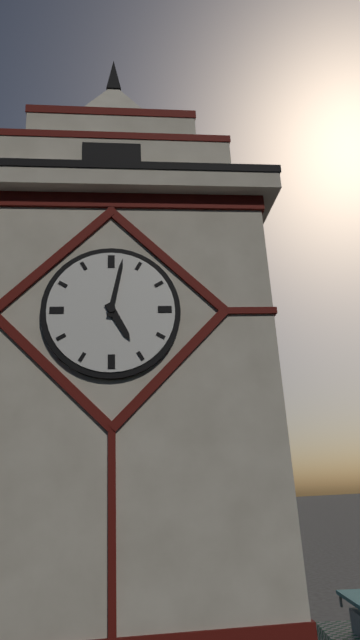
h=5 m=2
